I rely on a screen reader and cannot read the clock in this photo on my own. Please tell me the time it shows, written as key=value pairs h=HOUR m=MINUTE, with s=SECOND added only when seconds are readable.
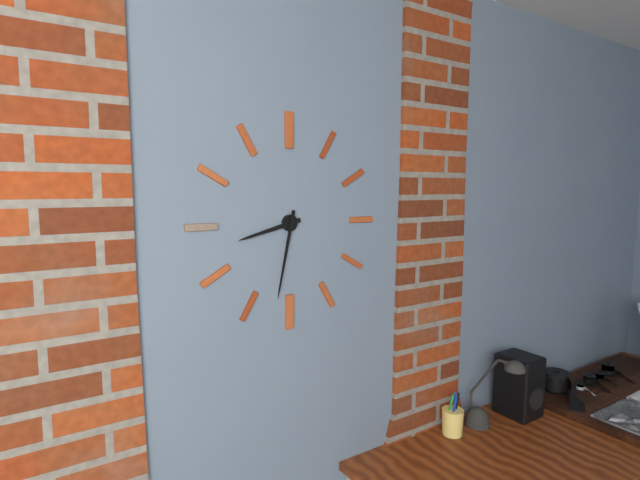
h=8 m=32
